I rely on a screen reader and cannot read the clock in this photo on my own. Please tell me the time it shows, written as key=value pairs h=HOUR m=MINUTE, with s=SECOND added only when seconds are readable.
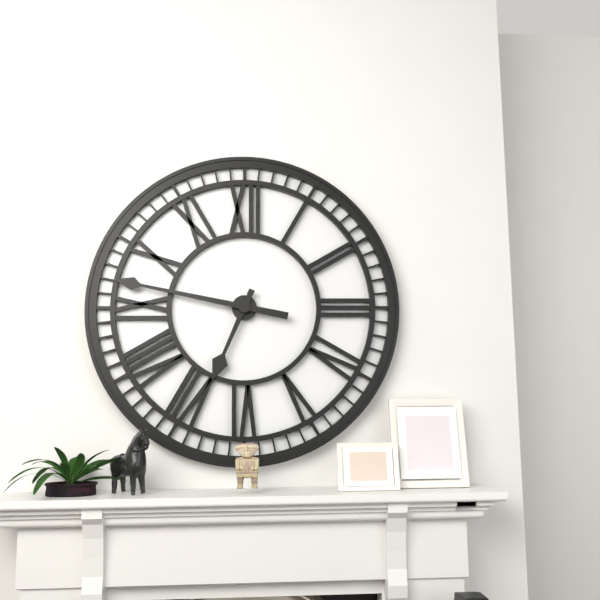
h=6 m=47
